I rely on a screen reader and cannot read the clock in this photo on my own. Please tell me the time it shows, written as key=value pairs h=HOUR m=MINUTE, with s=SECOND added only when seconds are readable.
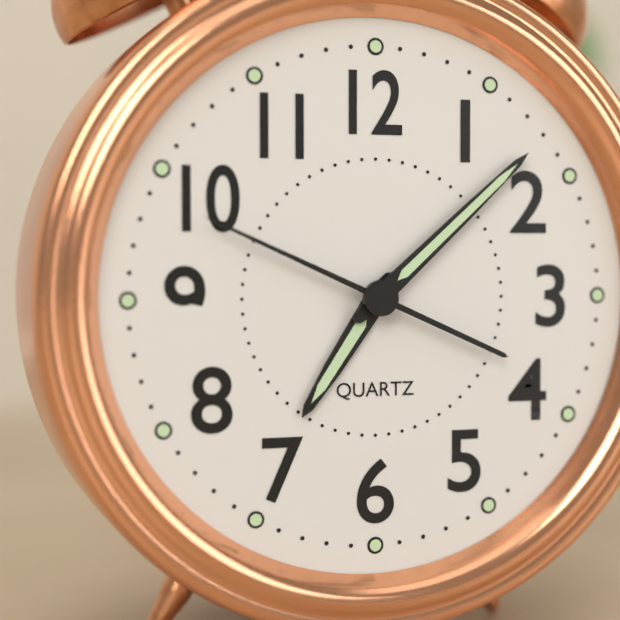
h=7 m=8 s=49
